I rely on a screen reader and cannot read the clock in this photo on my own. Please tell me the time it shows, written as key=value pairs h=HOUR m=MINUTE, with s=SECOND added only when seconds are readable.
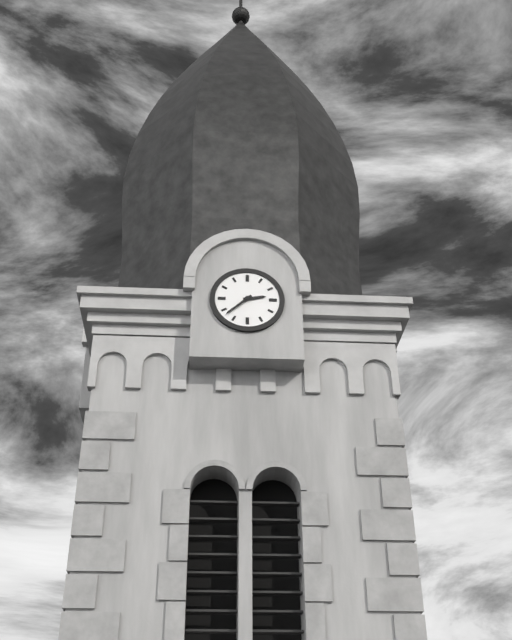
h=2 m=38
